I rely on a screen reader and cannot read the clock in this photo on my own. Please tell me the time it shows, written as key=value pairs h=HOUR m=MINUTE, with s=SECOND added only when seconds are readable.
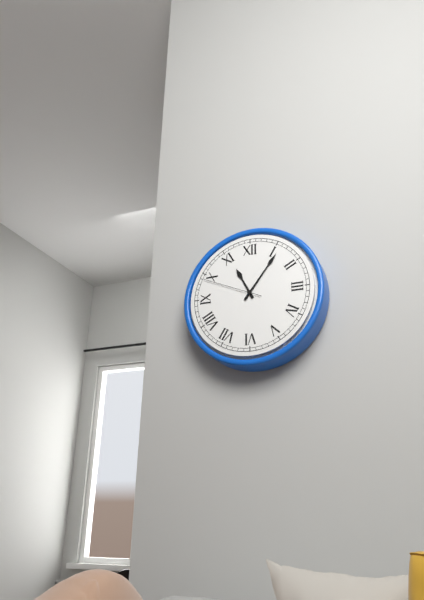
h=11 m=6 s=49
